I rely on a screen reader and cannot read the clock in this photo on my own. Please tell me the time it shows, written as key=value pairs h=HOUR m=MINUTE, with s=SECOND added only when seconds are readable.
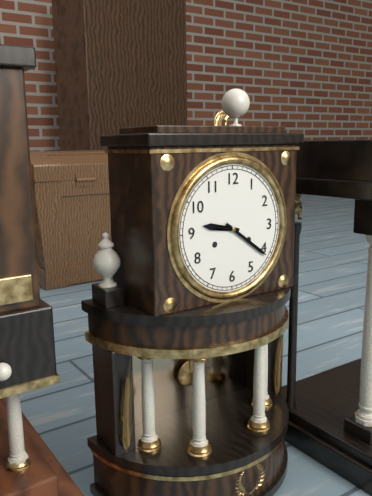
h=9 m=21
